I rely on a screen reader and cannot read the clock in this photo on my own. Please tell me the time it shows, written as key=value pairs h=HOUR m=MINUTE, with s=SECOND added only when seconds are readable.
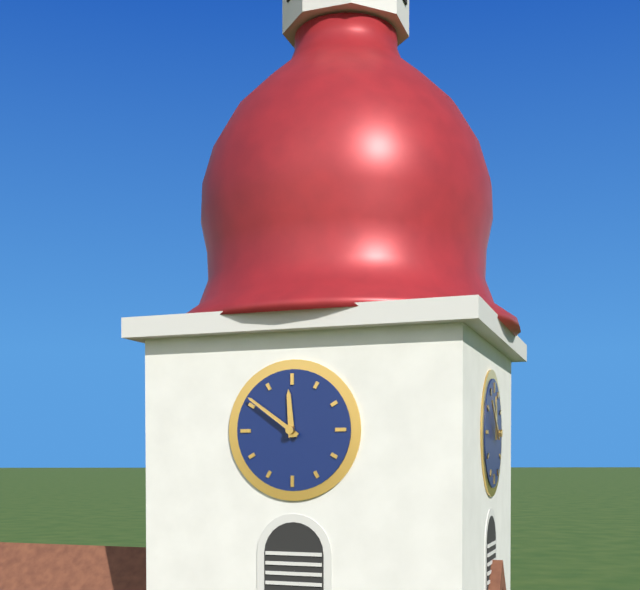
h=11 m=51
